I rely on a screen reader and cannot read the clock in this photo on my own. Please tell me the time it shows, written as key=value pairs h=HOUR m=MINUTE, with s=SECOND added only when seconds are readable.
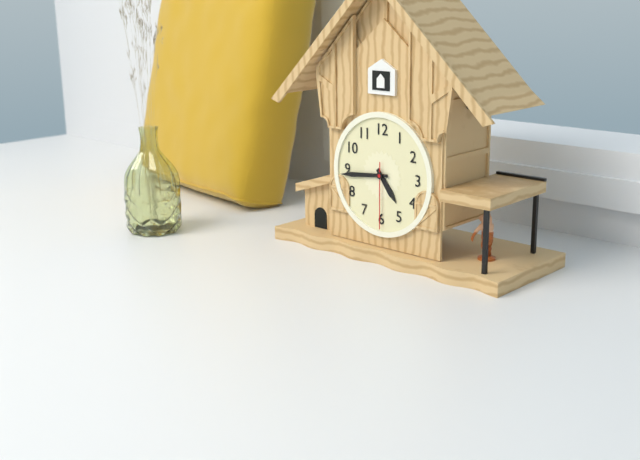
h=4 m=44 s=30
